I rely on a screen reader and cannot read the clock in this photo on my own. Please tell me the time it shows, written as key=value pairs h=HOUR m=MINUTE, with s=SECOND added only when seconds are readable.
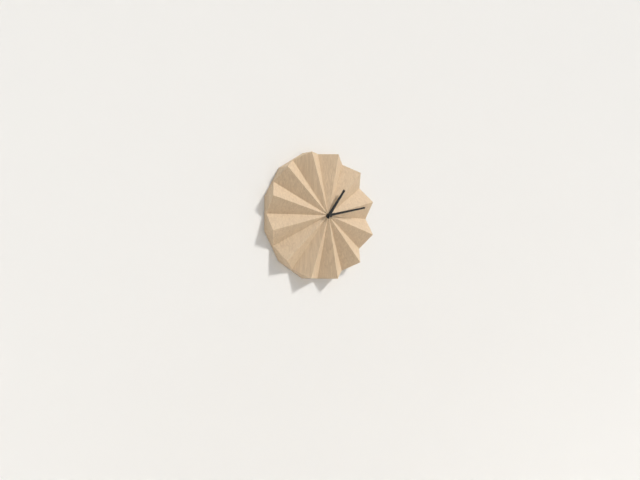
h=1 m=13
